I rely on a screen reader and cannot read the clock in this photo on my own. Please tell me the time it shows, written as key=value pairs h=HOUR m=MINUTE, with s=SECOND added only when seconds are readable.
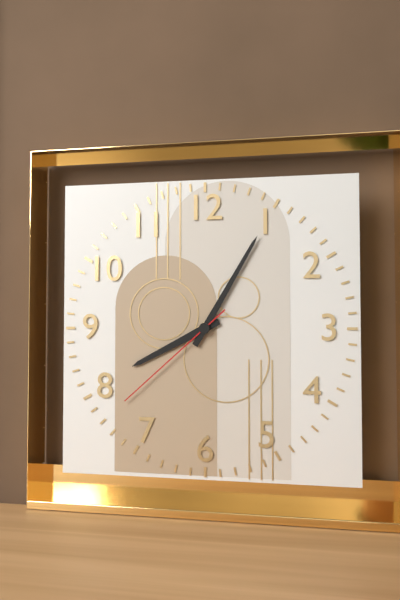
h=8 m=5 s=38
